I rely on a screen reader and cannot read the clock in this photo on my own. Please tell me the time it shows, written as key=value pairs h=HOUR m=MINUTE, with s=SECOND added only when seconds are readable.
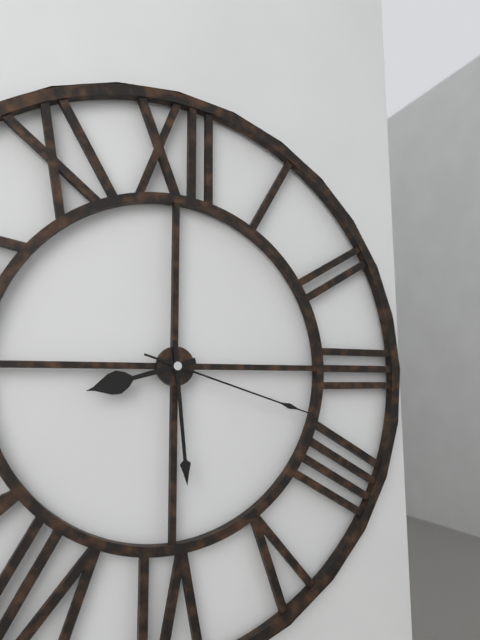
h=8 m=29 s=18
